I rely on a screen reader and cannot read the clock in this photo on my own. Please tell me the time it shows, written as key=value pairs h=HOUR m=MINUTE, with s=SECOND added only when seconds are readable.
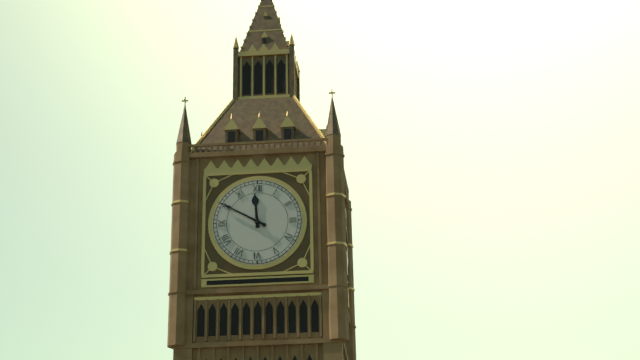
h=11 m=50
